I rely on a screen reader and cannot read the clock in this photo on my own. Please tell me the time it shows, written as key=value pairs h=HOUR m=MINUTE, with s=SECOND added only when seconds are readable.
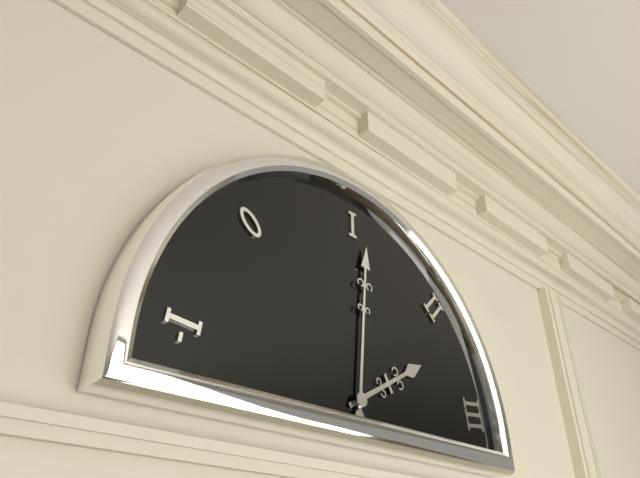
h=2 m=1
